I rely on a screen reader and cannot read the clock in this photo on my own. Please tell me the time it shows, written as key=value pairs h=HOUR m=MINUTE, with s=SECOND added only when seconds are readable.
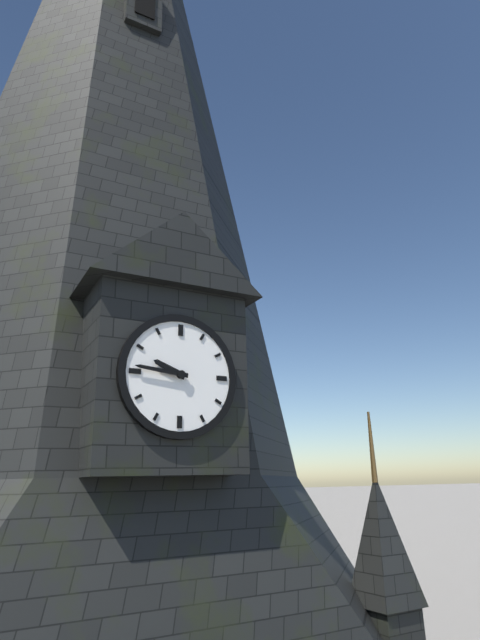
h=9 m=46
